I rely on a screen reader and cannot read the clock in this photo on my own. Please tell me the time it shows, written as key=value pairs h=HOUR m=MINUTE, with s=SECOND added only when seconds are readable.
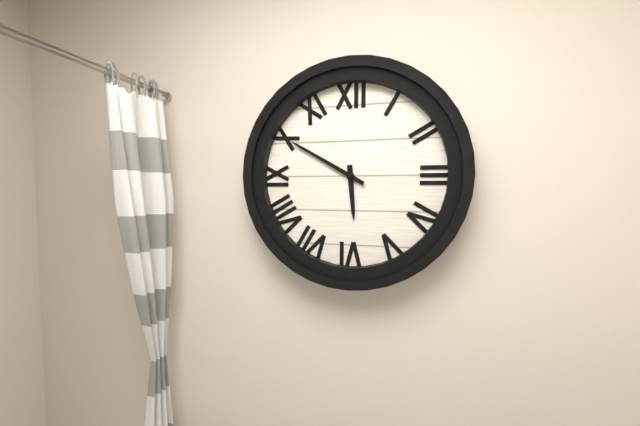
h=5 m=50
